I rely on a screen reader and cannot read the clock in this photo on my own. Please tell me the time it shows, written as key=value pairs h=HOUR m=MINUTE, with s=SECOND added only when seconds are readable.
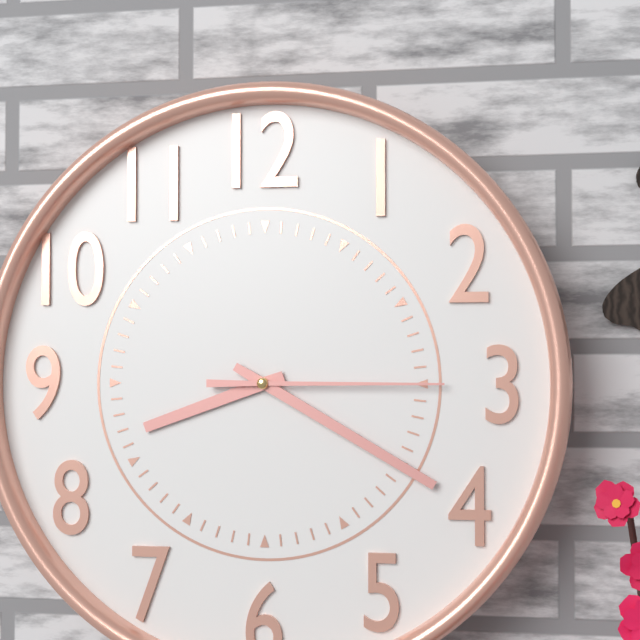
h=8 m=20 s=15
